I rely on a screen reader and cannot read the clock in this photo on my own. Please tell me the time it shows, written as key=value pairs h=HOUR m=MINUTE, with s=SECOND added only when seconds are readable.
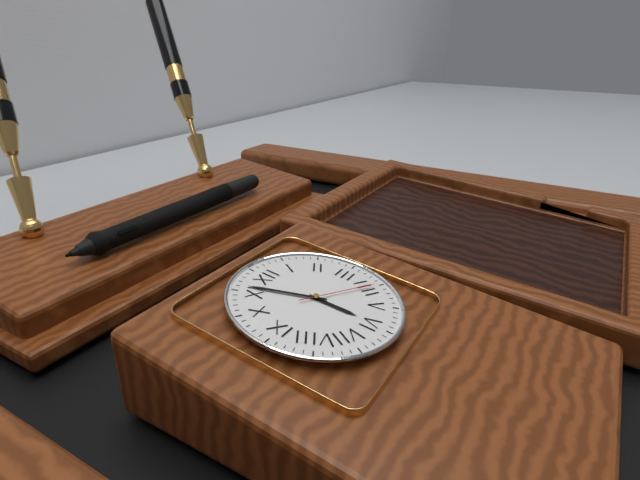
h=5 m=56 s=20
